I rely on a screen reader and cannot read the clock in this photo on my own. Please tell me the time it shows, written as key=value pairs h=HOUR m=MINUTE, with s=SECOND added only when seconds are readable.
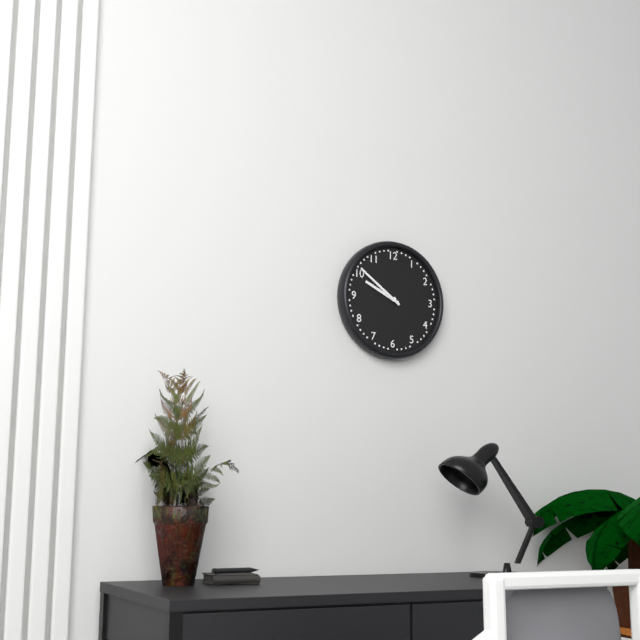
h=9 m=51
